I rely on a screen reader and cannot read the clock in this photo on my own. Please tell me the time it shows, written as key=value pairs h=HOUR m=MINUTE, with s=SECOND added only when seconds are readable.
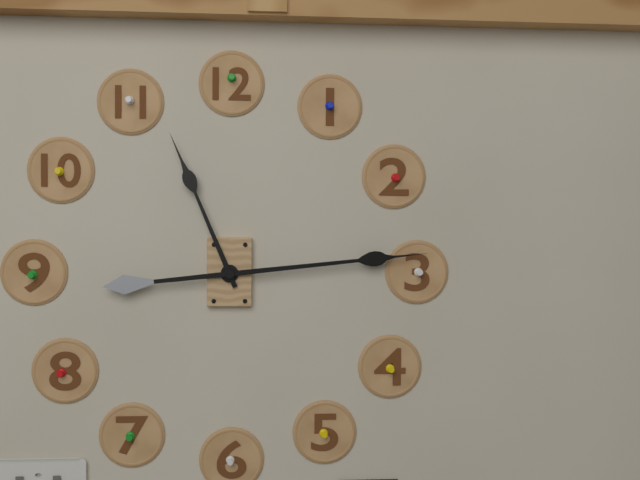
h=11 m=14
